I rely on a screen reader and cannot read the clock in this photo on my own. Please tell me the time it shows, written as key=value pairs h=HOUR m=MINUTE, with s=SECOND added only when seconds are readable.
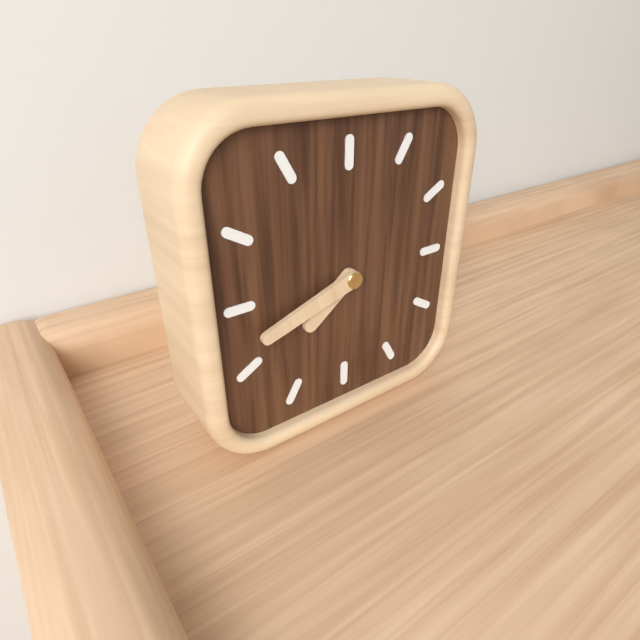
h=7 m=42
